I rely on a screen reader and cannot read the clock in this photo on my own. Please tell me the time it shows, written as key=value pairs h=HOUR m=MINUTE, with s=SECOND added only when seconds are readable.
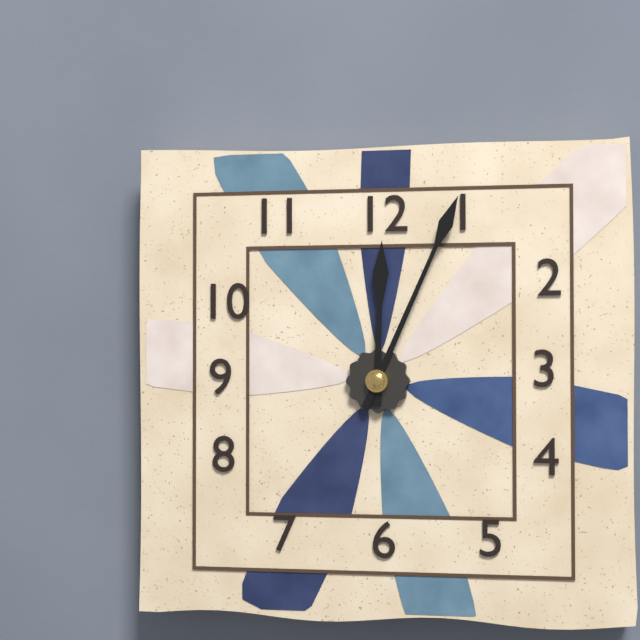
h=12 m=4
